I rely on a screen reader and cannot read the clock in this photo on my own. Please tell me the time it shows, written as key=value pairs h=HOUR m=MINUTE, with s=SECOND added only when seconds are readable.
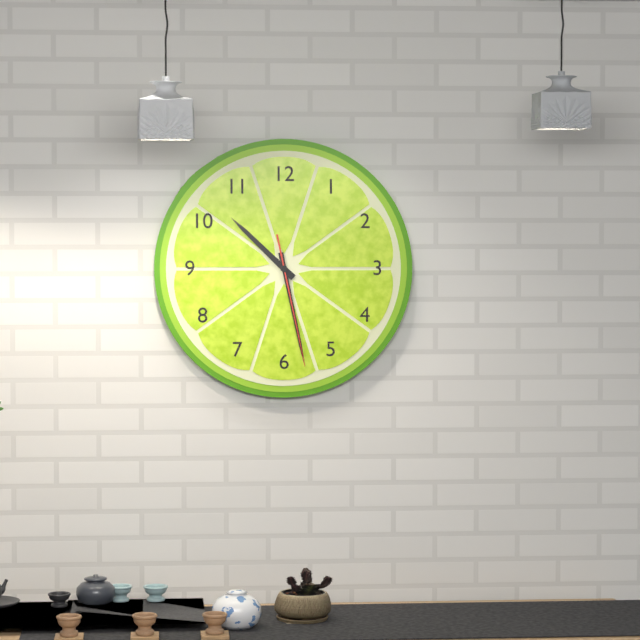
h=10 m=28 s=28
